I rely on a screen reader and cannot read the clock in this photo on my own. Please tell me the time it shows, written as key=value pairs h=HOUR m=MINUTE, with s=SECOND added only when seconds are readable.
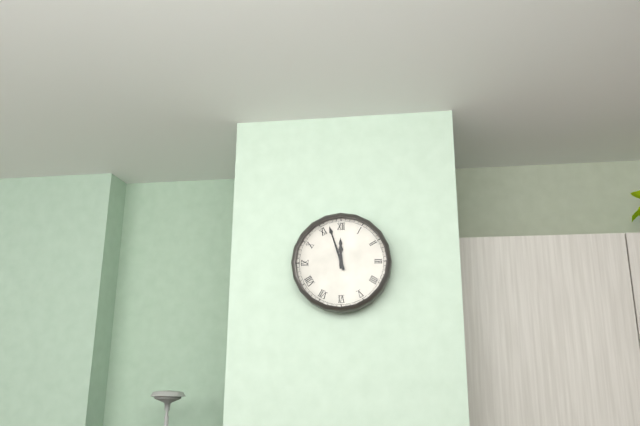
h=11 m=57
